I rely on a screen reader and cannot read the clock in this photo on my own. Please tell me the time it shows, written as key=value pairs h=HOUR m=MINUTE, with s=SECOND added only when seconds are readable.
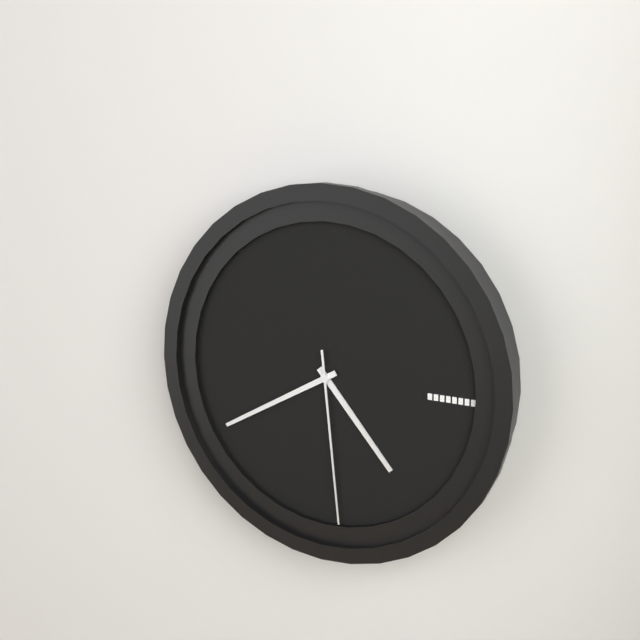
h=4 m=40 s=29
